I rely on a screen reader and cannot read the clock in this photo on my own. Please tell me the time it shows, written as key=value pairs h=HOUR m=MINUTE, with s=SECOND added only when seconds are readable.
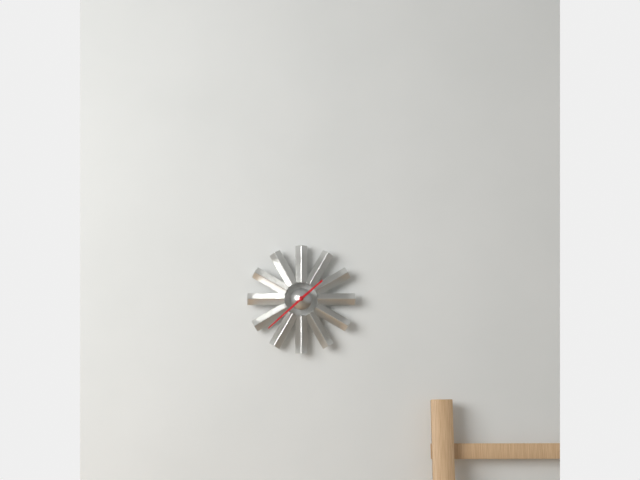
h=1 m=38
